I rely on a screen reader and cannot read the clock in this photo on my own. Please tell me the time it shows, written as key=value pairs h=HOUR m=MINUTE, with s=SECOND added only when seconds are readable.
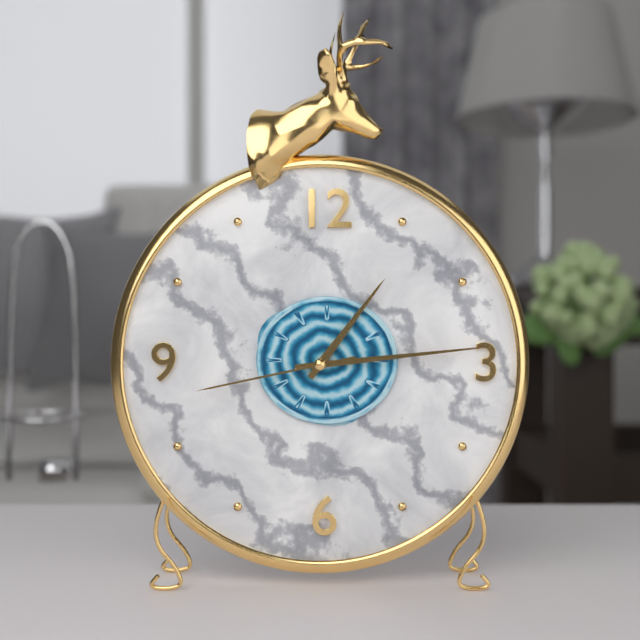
h=1 m=14 s=43
